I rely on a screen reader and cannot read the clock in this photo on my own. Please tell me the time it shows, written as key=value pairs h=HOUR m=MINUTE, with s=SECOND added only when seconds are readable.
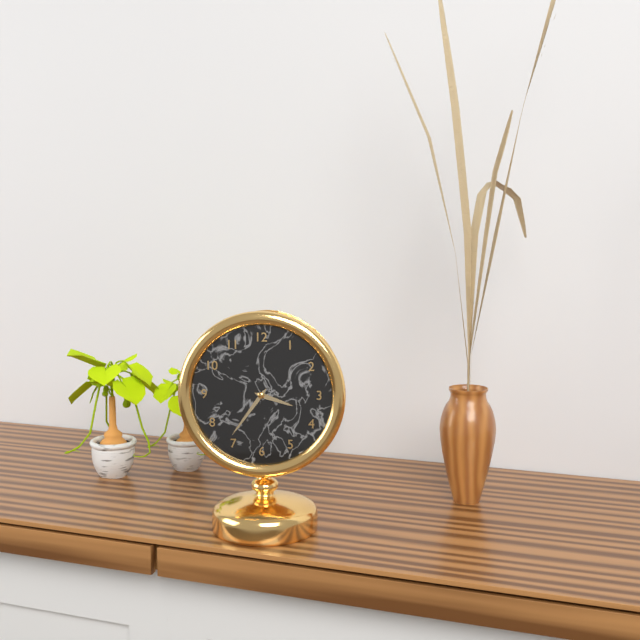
h=3 m=36
